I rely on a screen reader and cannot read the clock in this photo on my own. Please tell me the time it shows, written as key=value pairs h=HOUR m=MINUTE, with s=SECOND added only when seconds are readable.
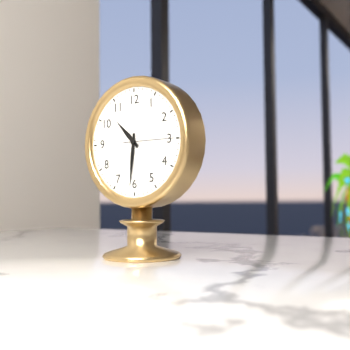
h=10 m=31
